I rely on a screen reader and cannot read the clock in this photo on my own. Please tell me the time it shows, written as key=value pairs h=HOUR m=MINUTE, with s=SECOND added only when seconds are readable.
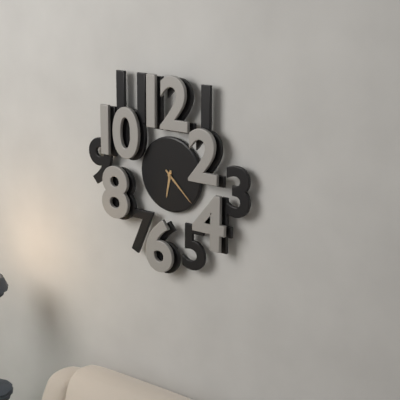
h=6 m=22
